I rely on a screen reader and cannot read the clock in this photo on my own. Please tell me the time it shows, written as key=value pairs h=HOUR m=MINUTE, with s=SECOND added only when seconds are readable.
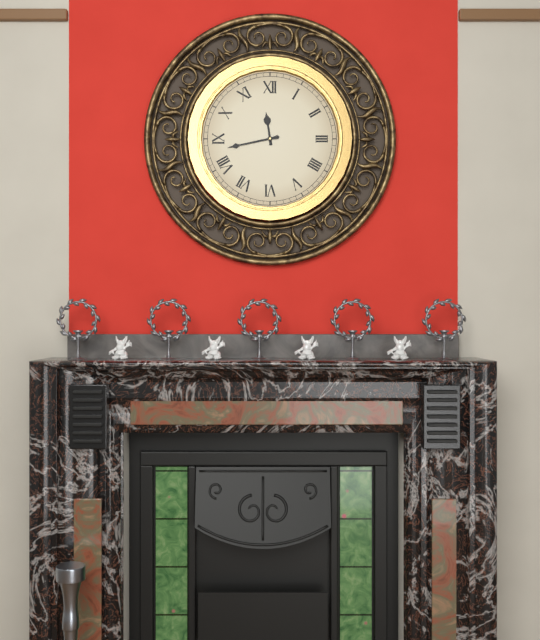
h=11 m=43
